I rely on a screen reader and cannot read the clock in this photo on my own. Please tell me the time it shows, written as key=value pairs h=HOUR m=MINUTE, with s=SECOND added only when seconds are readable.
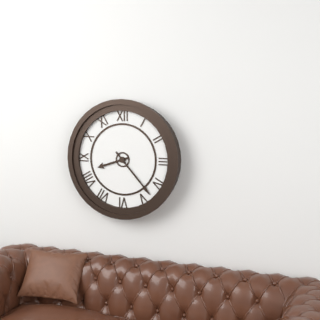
h=8 m=23
